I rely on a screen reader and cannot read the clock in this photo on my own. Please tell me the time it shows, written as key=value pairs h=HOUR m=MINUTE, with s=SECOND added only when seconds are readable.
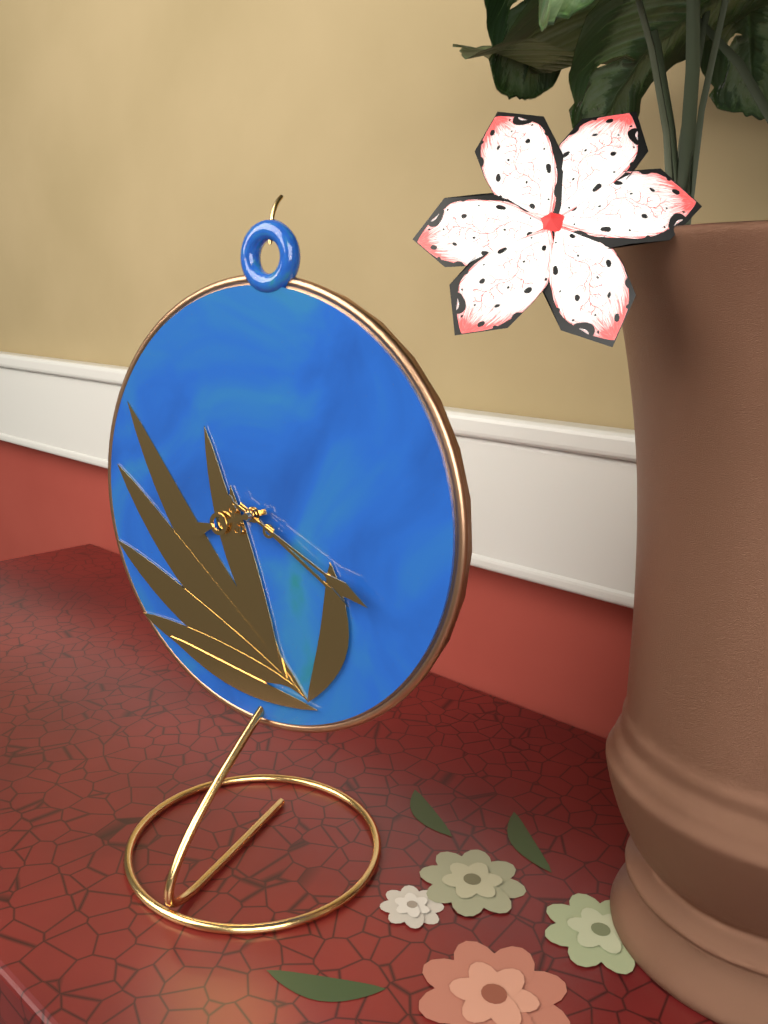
h=8 m=20 s=19
